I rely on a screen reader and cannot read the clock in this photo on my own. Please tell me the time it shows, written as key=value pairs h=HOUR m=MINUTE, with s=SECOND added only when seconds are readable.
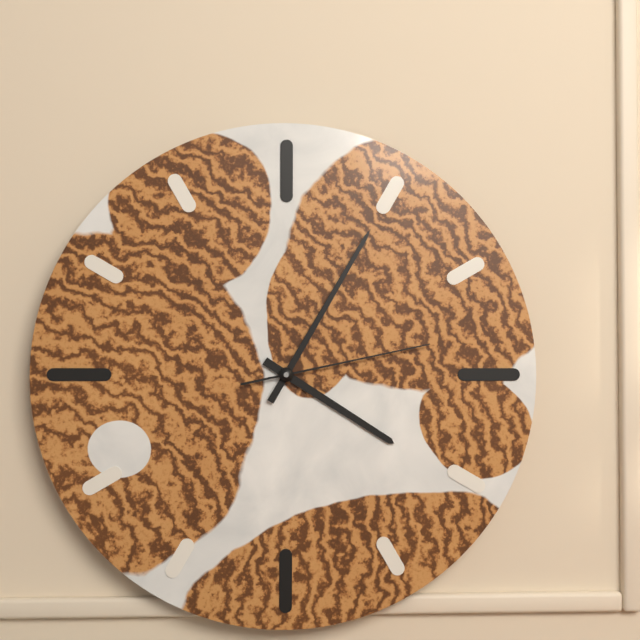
h=4 m=5 s=13
